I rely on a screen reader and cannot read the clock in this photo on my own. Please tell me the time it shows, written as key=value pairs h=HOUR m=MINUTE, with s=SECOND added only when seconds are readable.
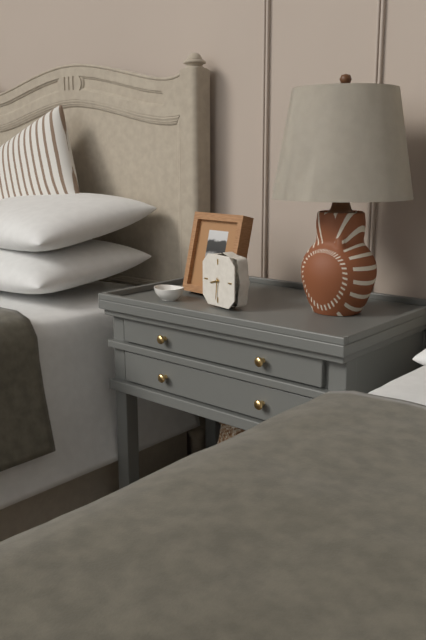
h=8 m=31
